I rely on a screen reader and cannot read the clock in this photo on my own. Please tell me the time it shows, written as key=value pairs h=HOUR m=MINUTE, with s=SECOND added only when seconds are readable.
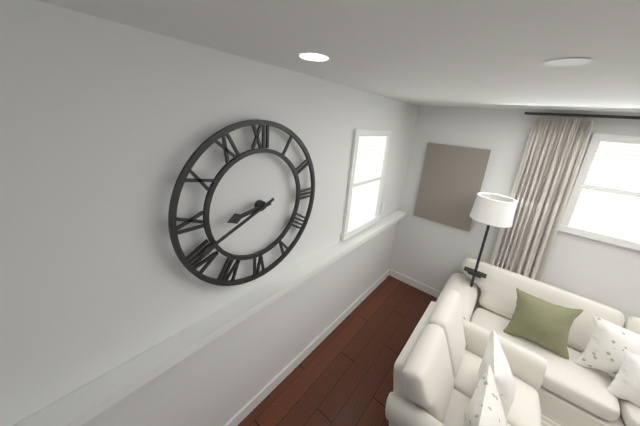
h=8 m=41
